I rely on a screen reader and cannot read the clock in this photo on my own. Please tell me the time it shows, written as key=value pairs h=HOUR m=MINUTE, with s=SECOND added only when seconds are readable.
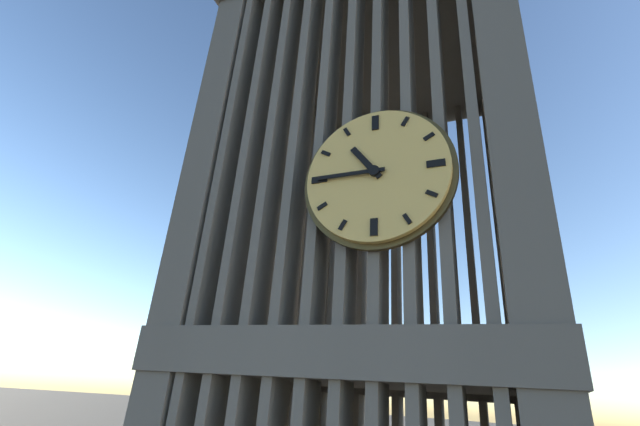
h=10 m=45
